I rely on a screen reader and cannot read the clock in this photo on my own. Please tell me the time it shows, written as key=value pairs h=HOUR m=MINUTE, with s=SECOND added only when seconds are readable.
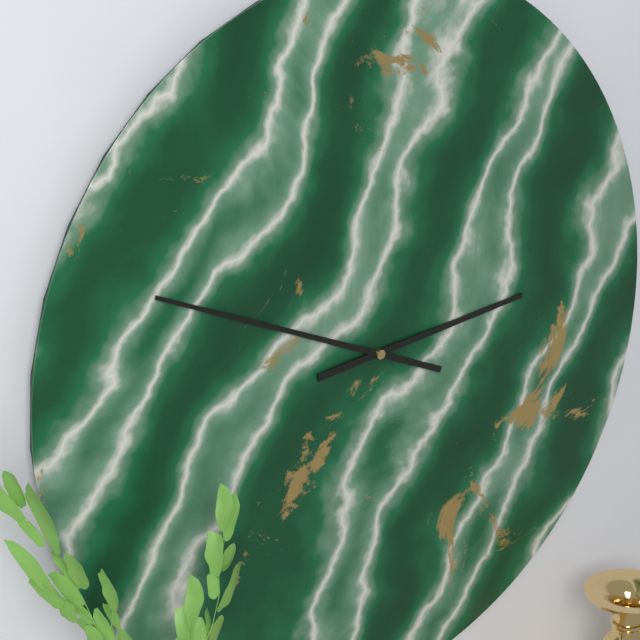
h=2 m=49
